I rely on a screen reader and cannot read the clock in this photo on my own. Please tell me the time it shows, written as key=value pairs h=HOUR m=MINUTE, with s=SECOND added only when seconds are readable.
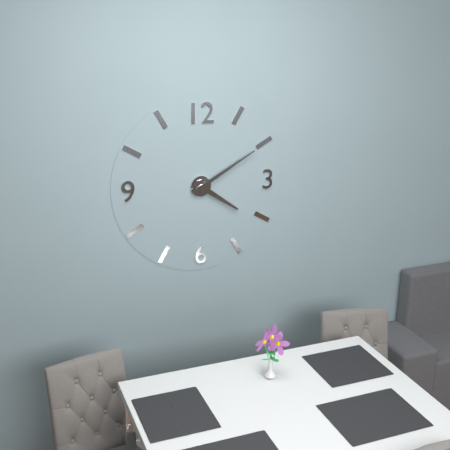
h=4 m=10
